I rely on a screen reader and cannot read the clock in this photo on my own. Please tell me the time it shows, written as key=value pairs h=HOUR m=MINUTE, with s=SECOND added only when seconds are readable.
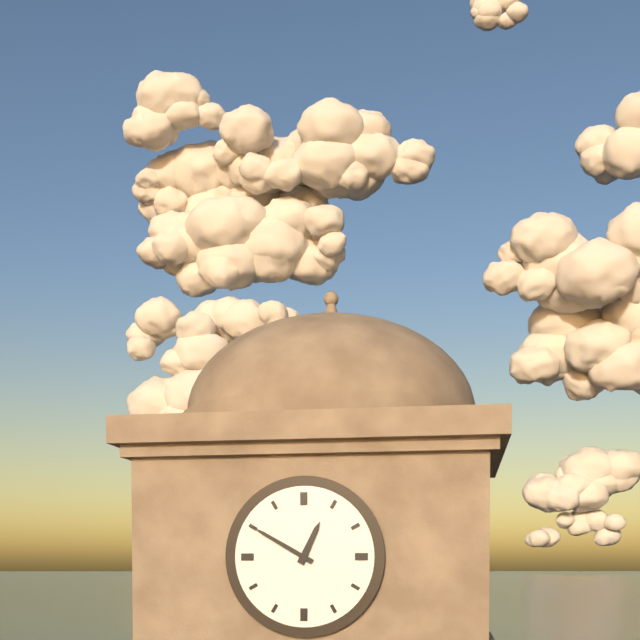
h=12 m=50
